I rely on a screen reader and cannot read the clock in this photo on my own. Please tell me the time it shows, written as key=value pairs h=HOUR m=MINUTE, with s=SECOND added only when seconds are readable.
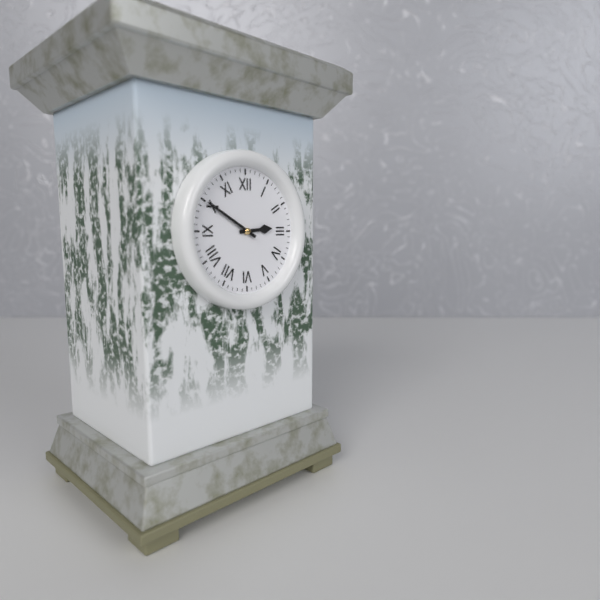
h=2 m=50
